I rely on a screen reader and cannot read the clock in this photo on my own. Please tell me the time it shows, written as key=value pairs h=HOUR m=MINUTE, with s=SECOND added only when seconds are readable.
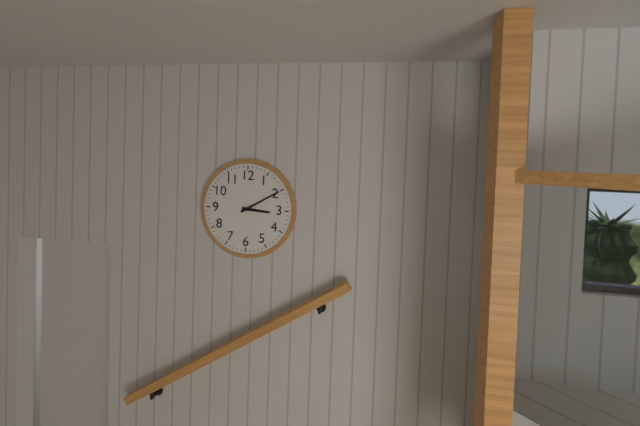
h=3 m=10
